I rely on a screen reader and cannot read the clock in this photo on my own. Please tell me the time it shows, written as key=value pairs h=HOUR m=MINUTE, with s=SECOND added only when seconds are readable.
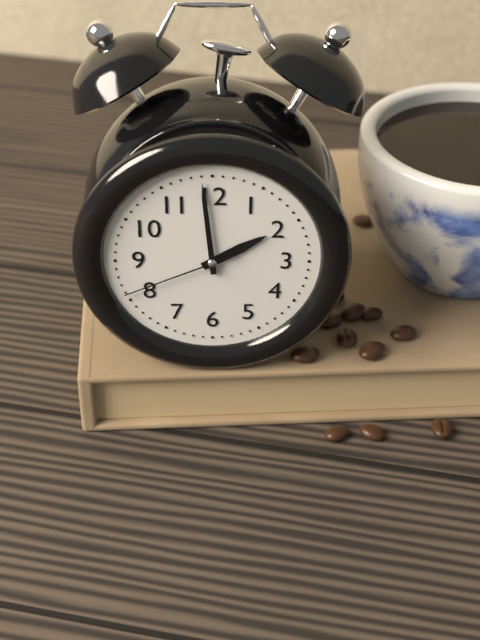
h=1 m=59 s=41
